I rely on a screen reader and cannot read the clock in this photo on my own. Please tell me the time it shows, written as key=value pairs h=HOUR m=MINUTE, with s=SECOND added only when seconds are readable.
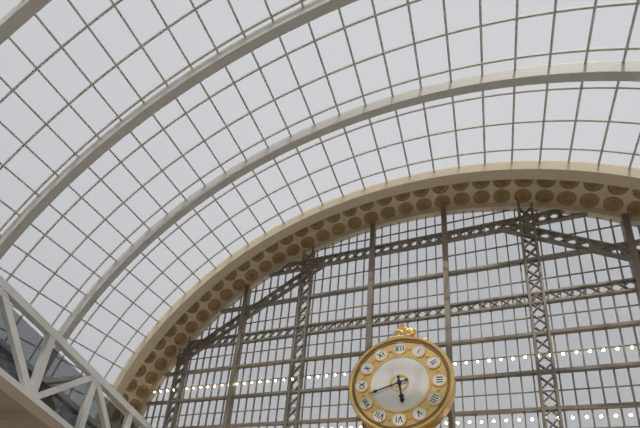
h=5 m=42
